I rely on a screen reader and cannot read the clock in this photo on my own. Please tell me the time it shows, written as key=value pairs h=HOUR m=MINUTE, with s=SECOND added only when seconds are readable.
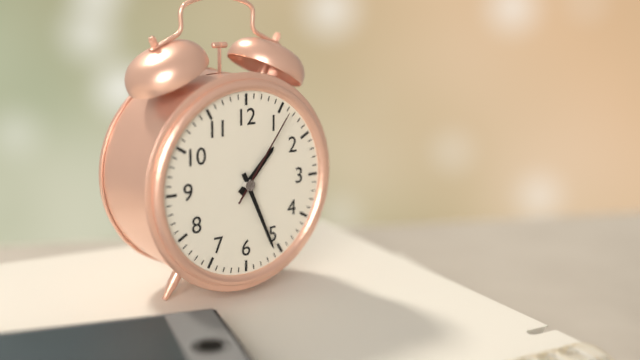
h=1 m=26 s=6
